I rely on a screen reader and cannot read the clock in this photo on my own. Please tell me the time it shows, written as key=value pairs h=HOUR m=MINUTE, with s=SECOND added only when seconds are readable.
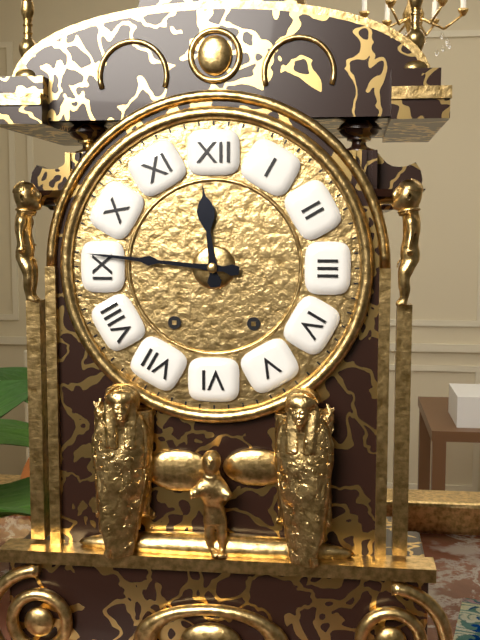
h=11 m=46
